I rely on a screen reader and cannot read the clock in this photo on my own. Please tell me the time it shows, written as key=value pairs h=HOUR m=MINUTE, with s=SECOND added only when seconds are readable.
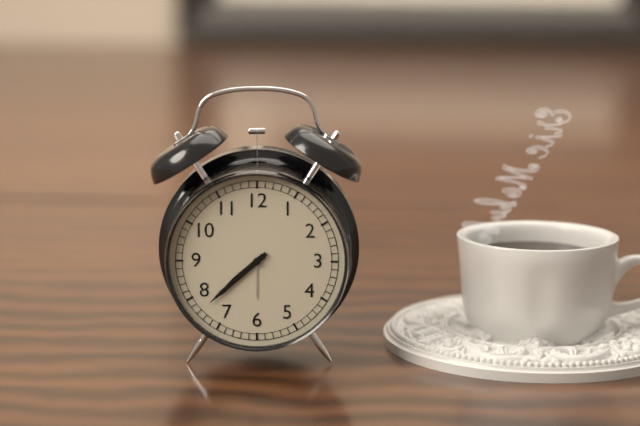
h=7 m=38
